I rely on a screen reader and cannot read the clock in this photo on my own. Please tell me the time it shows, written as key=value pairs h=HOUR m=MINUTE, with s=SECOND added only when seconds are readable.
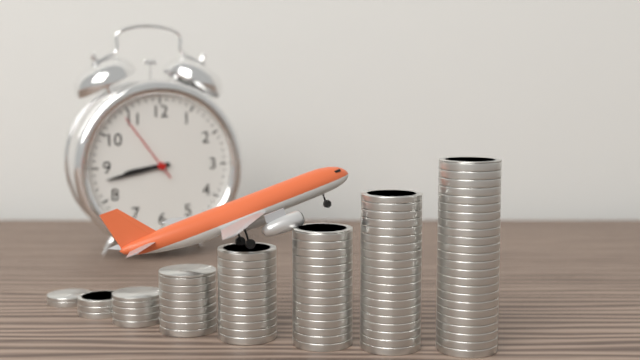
h=8 m=43 s=54
